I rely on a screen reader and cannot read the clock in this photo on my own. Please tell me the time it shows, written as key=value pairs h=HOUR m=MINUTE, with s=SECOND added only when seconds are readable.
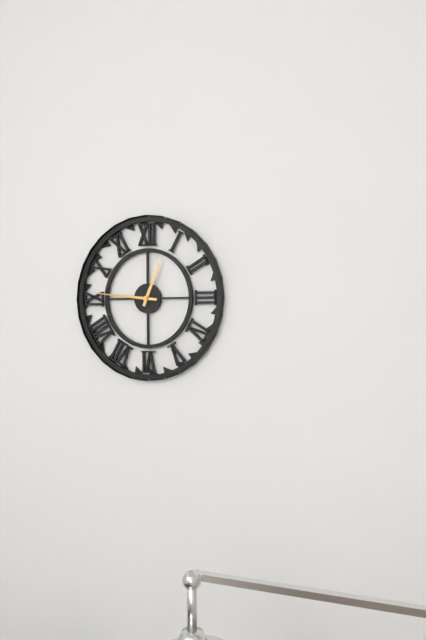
h=12 m=46
